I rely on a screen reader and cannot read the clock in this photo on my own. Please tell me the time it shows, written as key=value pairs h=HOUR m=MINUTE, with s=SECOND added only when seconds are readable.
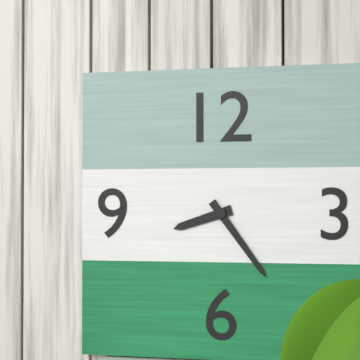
h=8 m=24
